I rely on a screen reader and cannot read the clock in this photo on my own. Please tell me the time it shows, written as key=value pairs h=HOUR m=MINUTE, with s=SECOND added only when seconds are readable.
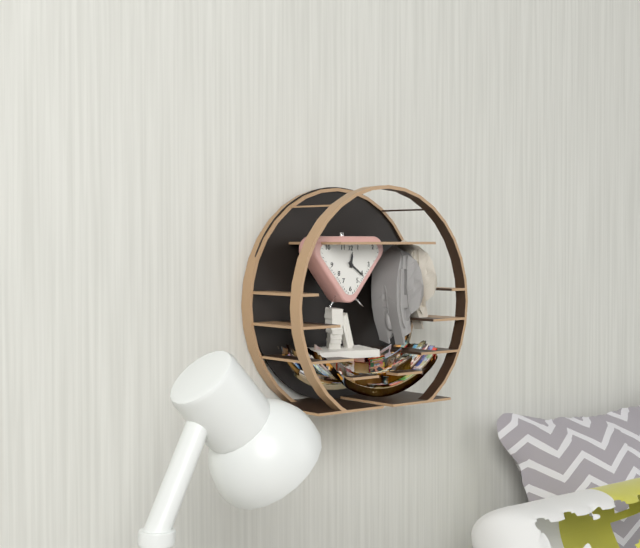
h=12 m=21
